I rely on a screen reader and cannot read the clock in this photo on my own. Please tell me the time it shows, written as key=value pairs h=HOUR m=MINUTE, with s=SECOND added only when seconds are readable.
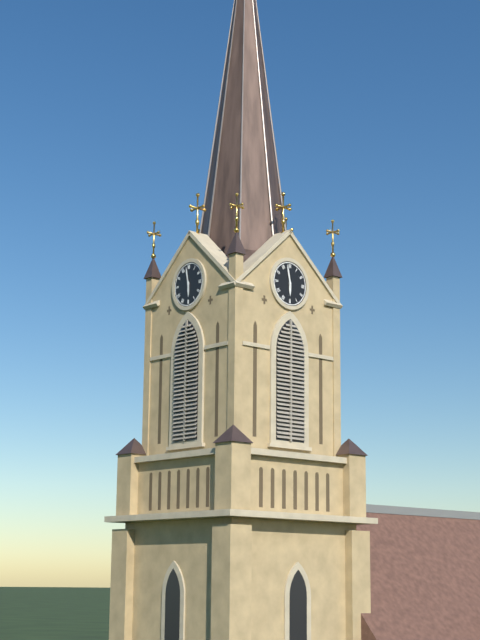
h=5 m=58
